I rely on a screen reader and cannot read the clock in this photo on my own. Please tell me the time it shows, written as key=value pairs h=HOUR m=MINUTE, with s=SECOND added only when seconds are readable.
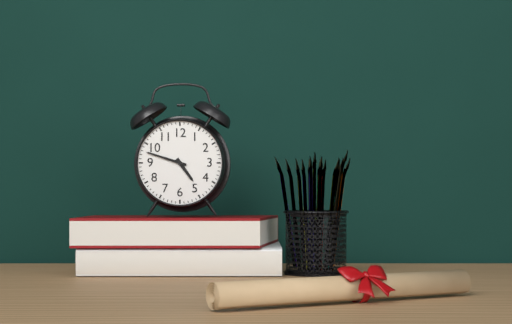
h=4 m=48
